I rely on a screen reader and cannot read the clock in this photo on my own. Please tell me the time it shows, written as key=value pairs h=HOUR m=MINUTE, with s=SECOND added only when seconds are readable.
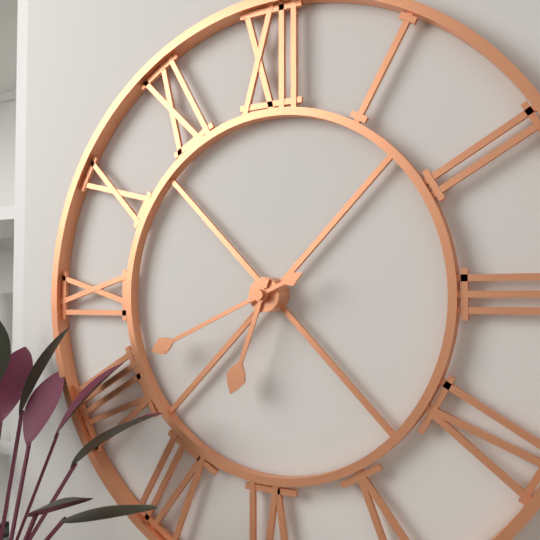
h=6 m=41
